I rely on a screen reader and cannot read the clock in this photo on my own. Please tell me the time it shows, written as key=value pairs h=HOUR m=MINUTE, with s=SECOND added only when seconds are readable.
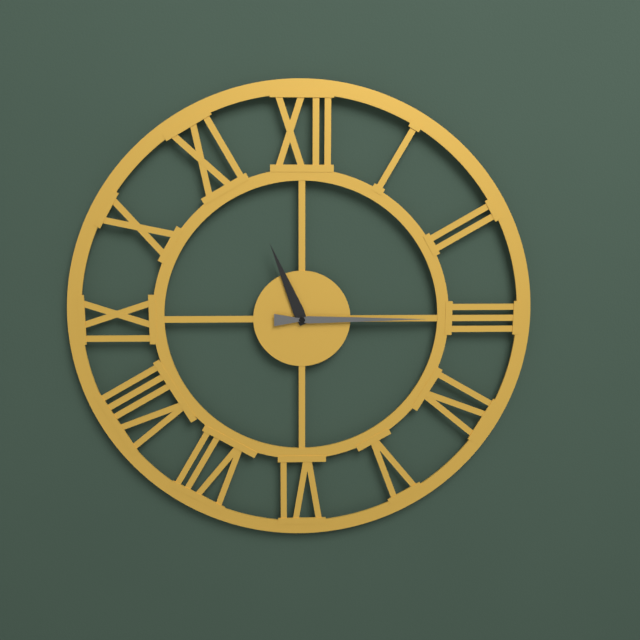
h=11 m=15
